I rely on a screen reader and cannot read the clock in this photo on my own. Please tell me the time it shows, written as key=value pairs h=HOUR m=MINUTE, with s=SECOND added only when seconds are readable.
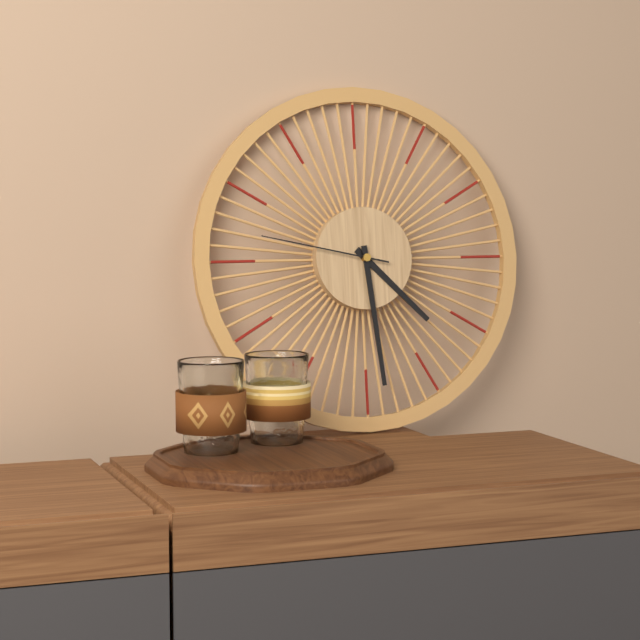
h=4 m=29 s=47
